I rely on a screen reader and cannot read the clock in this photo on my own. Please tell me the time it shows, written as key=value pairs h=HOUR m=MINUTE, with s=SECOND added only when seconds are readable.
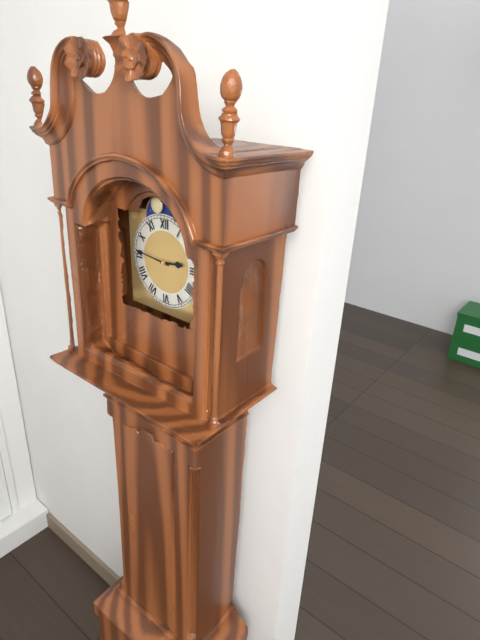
h=2 m=46
